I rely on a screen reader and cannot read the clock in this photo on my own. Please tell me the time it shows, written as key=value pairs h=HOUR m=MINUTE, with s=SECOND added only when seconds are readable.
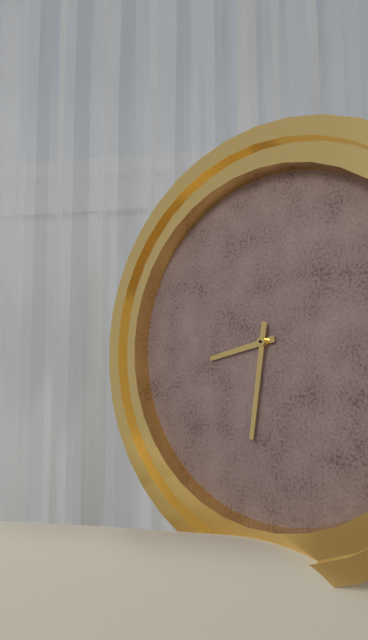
h=8 m=31
